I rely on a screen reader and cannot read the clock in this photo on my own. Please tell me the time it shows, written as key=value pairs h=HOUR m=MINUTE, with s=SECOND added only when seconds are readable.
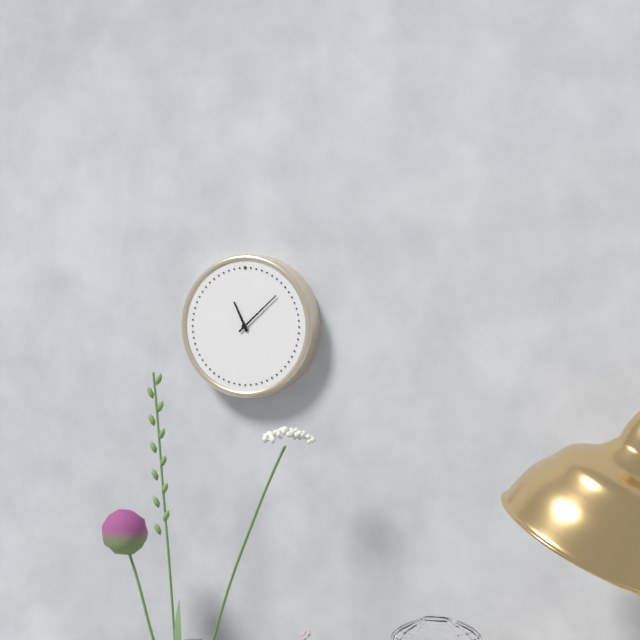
h=11 m=8
